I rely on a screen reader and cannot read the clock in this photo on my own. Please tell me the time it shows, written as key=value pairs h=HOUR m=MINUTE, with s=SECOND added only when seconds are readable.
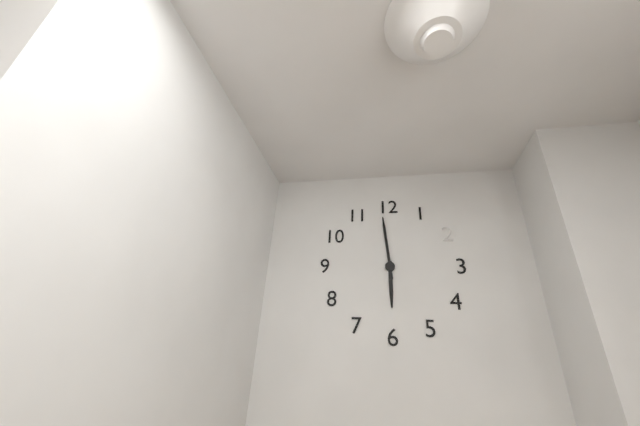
h=5 m=59
